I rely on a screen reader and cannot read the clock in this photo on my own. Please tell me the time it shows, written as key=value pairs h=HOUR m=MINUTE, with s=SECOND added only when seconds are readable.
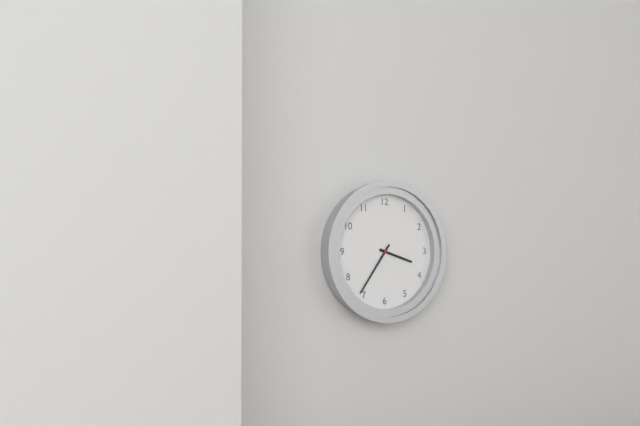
h=3 m=36
